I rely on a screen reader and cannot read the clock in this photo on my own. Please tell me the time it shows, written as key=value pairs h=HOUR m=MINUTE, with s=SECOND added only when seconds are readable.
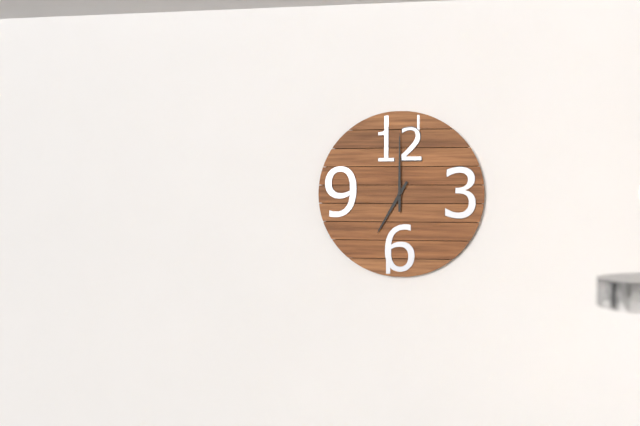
h=7 m=0
